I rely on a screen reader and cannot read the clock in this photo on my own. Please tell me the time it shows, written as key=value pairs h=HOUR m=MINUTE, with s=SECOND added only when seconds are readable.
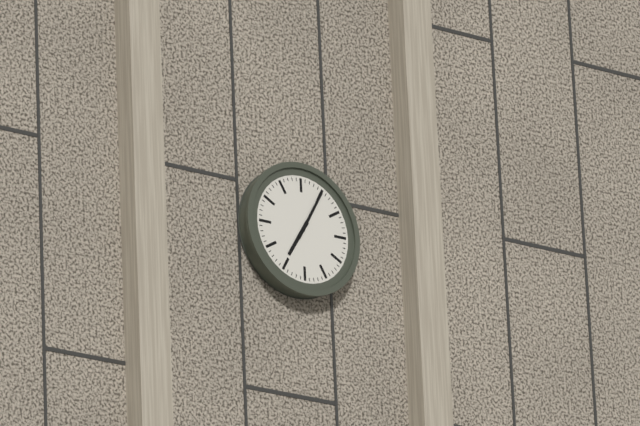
h=7 m=5
